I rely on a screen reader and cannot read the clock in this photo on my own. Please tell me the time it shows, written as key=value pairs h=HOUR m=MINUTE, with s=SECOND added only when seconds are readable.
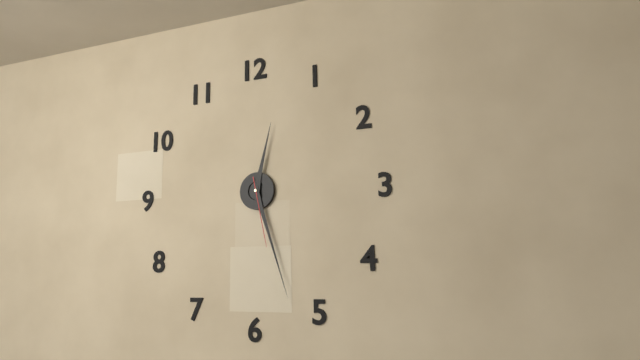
h=12 m=27 s=28
